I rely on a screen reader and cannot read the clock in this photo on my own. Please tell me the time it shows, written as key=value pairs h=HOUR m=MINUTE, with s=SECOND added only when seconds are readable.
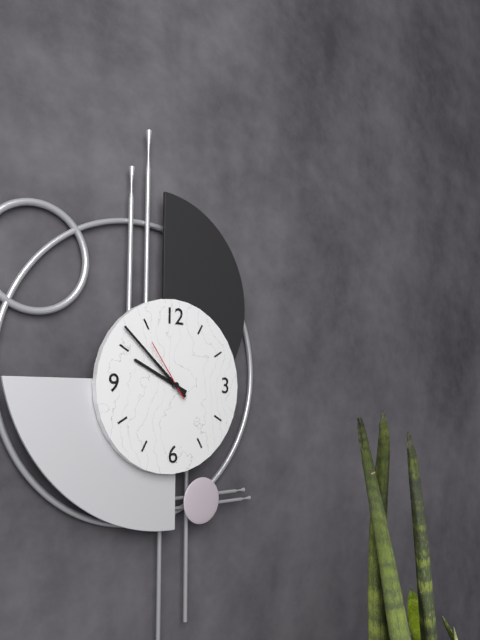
h=9 m=52 s=54
